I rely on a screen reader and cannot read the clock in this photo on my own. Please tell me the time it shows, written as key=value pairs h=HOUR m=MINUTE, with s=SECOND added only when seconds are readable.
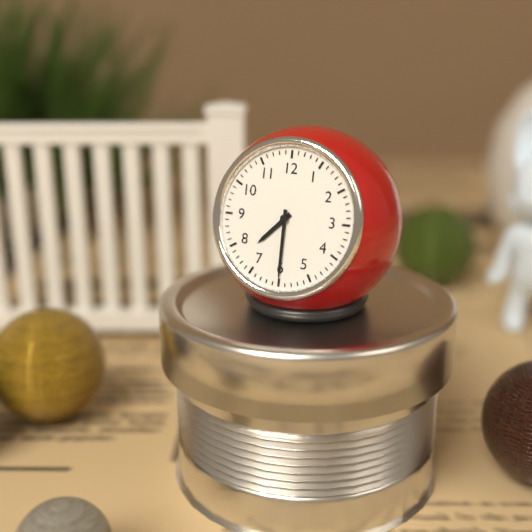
h=7 m=30
